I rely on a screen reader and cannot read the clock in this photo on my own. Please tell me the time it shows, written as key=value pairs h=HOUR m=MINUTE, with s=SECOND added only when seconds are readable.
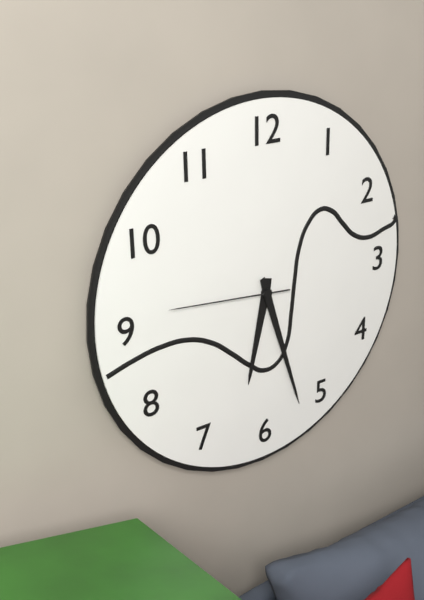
h=6 m=27 s=46
